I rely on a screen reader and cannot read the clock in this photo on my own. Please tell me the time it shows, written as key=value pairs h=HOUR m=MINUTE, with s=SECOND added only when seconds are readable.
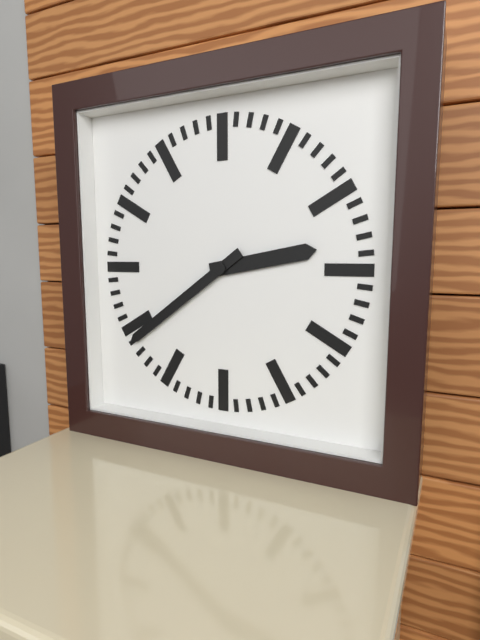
h=2 m=39
